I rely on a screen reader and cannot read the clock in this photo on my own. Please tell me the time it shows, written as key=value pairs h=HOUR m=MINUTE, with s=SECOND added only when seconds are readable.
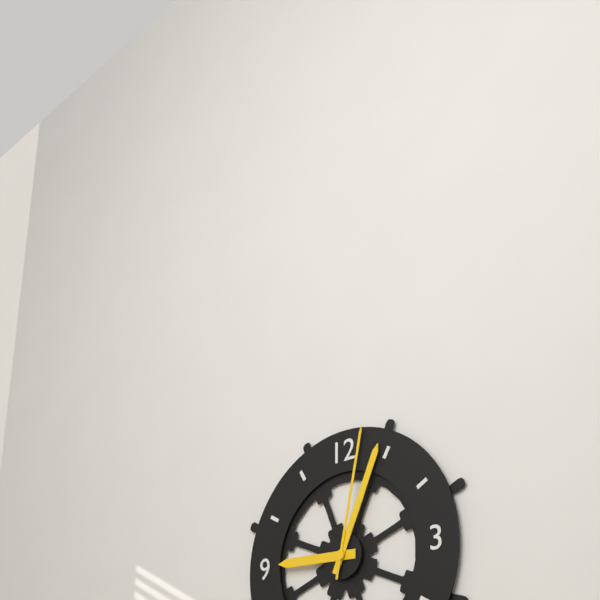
h=9 m=4 s=2
